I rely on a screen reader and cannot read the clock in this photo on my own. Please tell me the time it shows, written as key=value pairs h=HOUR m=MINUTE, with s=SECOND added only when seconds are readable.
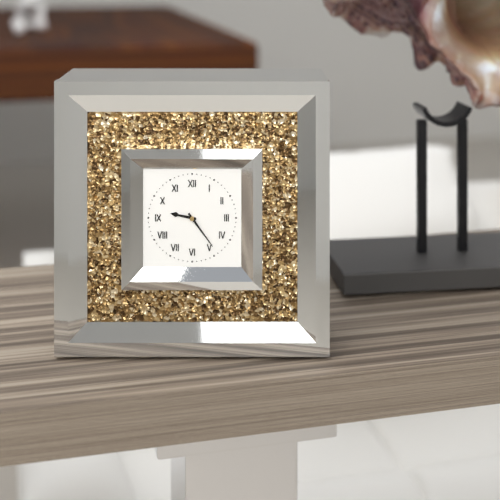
h=9 m=24
